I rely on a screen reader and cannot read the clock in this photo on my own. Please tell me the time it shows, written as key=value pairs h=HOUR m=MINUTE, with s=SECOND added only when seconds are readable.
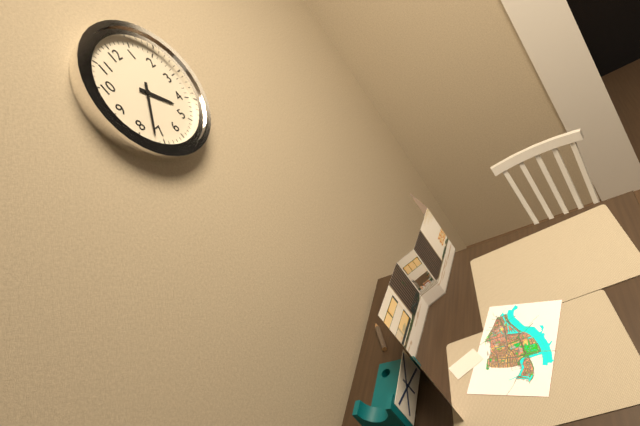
h=4 m=37
